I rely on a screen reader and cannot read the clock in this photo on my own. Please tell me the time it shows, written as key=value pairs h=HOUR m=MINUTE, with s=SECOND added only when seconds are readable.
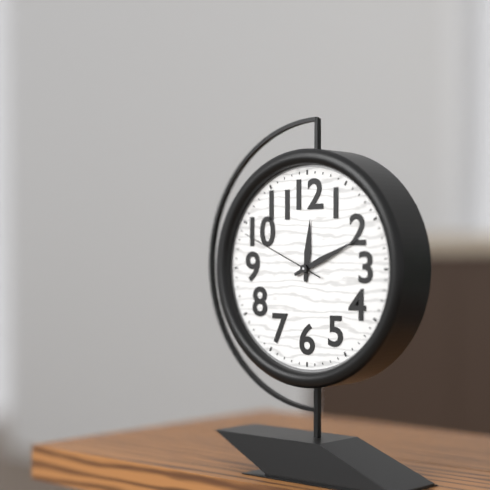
h=12 m=11 s=49
